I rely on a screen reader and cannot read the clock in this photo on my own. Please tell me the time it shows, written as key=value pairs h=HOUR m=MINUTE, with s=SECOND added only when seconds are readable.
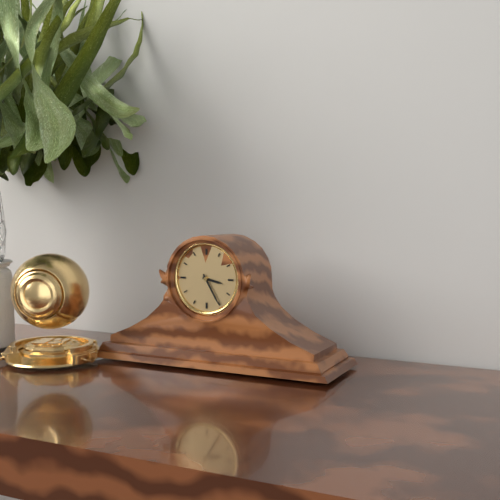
h=3 m=25
